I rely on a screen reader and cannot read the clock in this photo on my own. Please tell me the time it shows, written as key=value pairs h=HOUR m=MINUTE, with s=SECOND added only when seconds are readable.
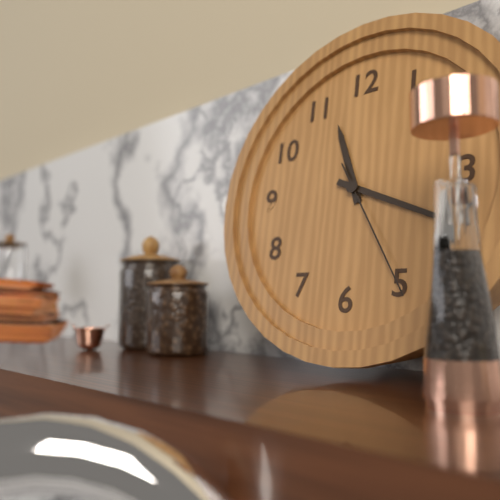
h=11 m=19 s=25
